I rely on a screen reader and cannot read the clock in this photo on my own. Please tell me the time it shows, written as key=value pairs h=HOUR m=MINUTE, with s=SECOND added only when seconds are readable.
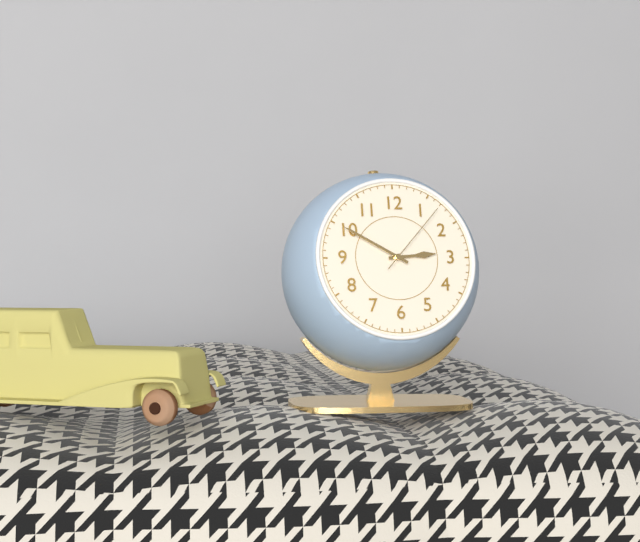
h=2 m=50 s=7
